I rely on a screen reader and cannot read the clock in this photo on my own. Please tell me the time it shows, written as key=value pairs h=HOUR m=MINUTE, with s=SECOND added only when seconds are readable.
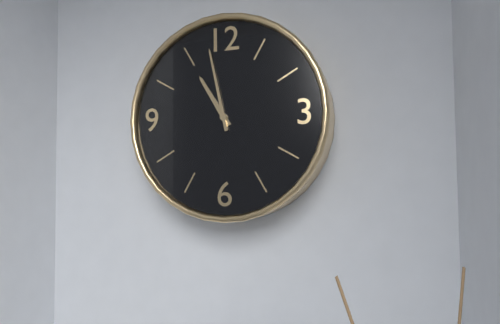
h=10 m=58
